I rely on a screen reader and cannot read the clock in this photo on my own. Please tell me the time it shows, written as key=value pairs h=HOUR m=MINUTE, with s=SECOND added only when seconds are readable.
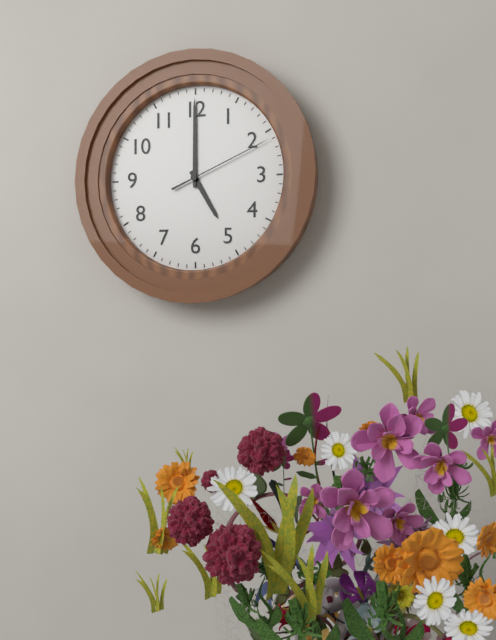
h=5 m=0 s=11
